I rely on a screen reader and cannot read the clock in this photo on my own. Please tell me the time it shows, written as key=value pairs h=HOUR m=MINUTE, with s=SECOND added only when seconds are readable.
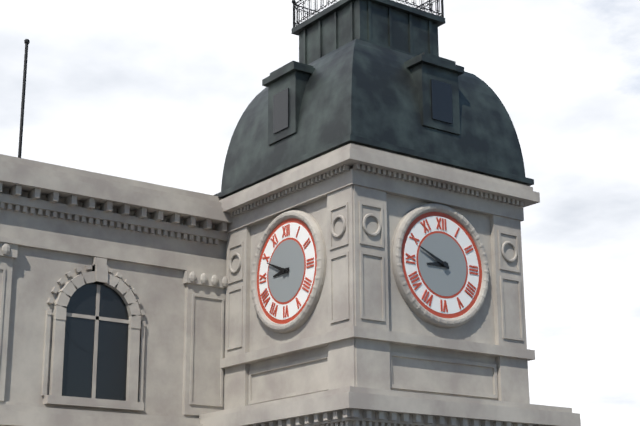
h=8 m=49
